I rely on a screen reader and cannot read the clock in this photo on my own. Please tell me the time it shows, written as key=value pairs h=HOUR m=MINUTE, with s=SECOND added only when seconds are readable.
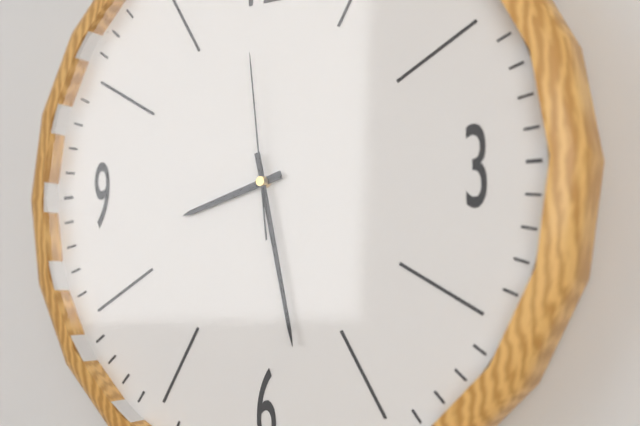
h=8 m=28 s=59
